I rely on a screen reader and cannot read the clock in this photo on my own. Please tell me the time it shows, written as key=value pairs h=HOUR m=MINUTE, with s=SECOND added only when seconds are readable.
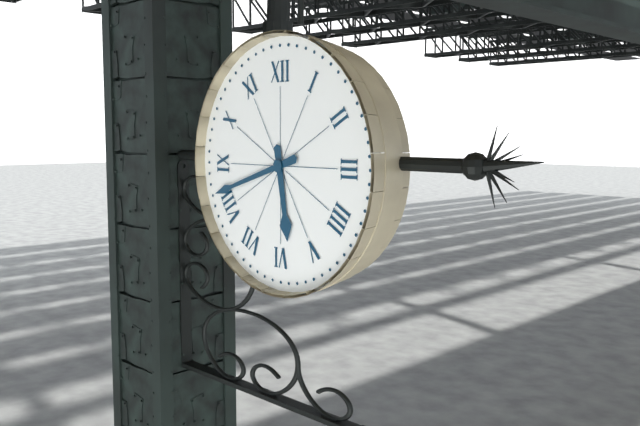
h=5 m=42
